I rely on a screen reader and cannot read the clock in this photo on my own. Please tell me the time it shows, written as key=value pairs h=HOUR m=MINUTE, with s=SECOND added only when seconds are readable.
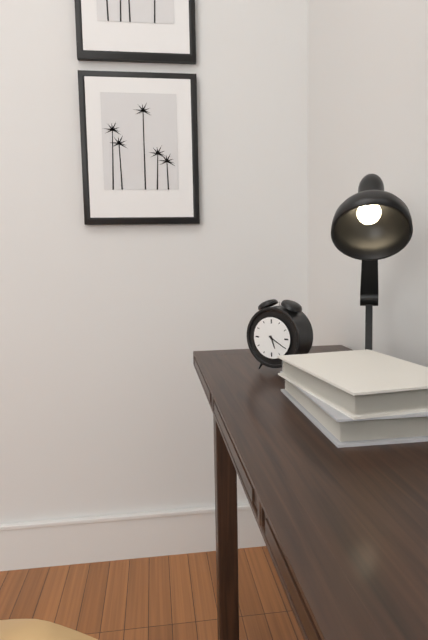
h=5 m=20
